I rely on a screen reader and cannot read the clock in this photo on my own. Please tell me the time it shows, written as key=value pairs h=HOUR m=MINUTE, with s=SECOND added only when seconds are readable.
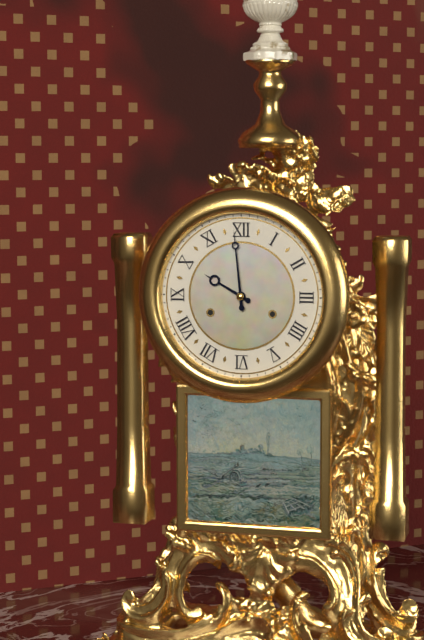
h=9 m=59
